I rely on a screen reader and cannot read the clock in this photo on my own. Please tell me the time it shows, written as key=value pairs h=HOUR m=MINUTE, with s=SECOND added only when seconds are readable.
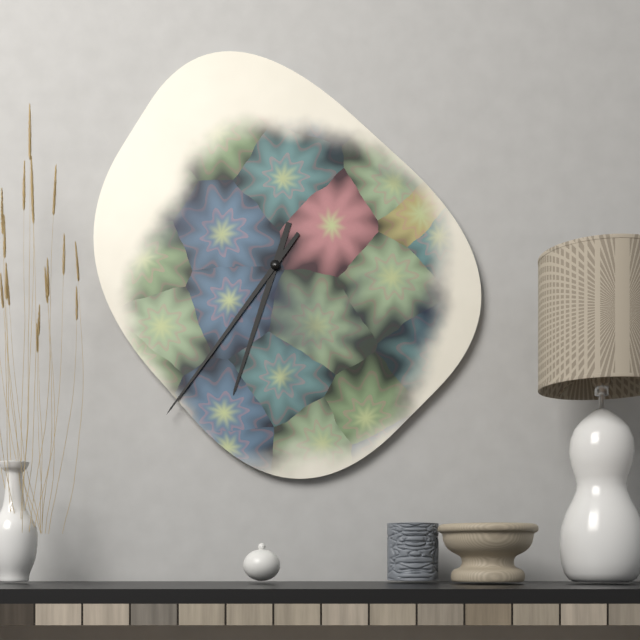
h=6 m=36
